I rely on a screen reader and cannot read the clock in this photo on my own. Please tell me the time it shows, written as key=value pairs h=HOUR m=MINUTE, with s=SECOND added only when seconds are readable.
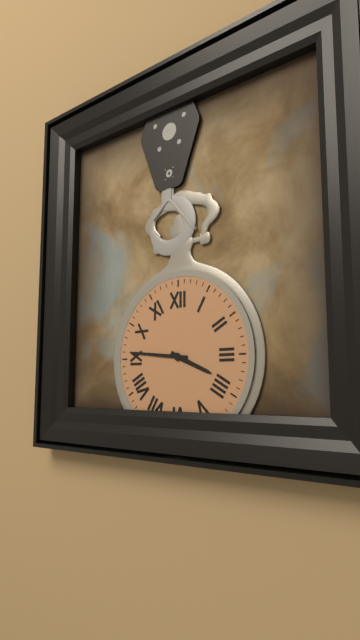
h=3 m=46
